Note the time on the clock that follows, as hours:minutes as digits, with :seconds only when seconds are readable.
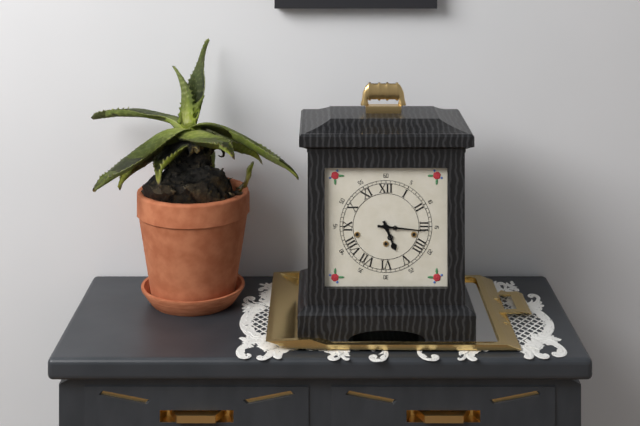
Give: 5:16
